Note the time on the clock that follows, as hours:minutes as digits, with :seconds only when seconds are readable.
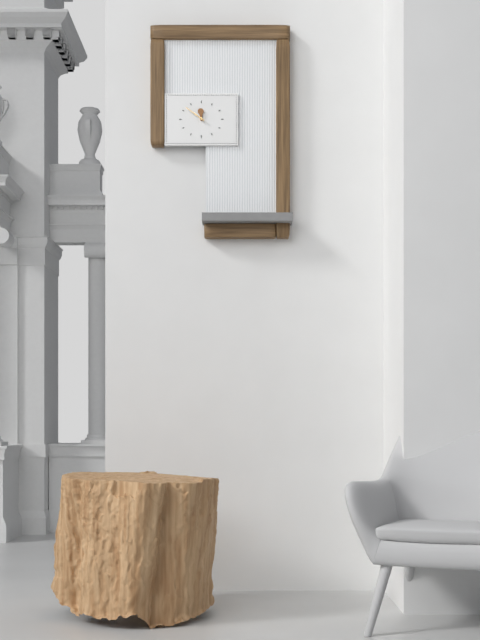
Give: 11:51
